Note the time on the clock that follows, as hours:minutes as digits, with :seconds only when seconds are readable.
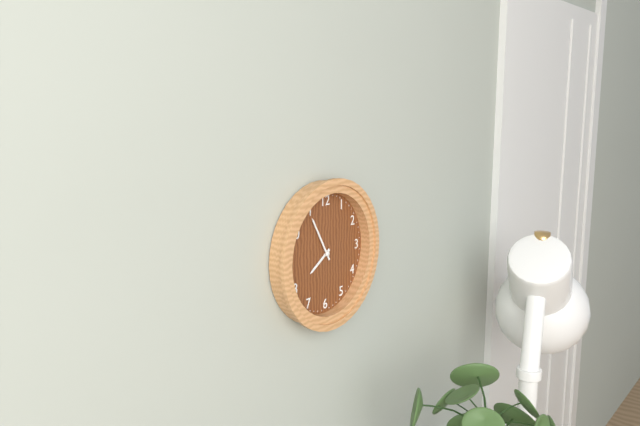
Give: 7:55
